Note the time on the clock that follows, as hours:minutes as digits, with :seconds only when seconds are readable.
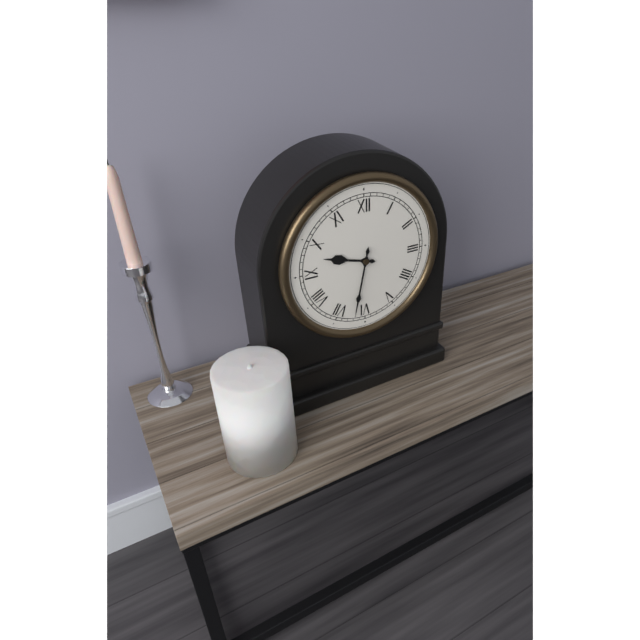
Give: 9:32
